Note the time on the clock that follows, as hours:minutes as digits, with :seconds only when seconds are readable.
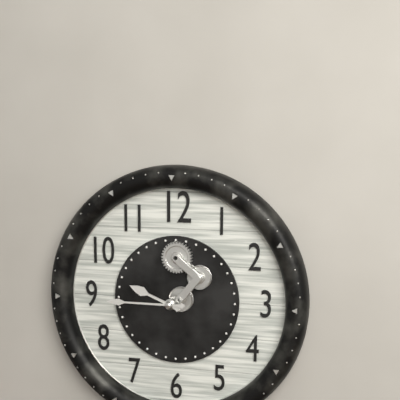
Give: 9:45
